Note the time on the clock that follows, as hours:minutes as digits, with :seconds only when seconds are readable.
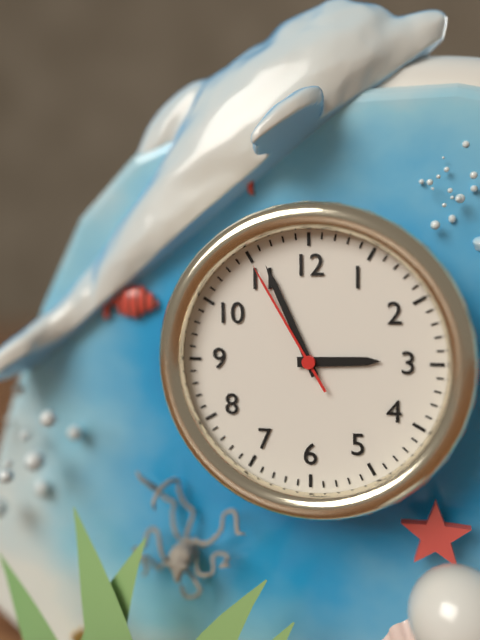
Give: 2:56:55
